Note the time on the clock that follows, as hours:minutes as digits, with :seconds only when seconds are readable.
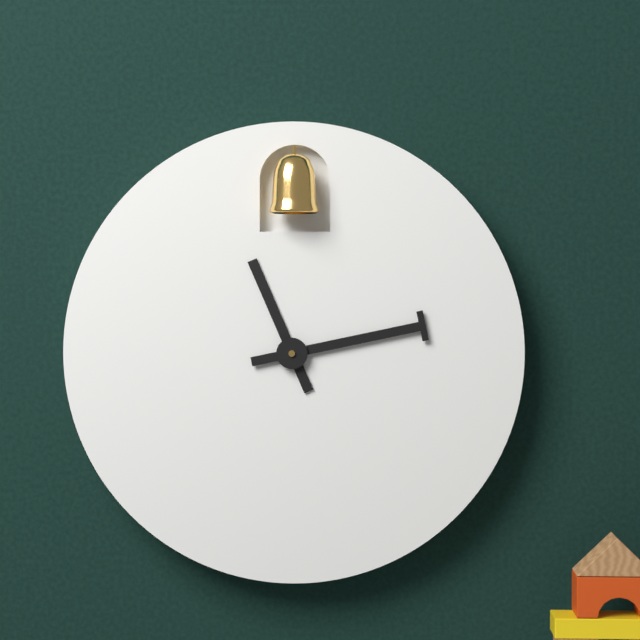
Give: 11:13
